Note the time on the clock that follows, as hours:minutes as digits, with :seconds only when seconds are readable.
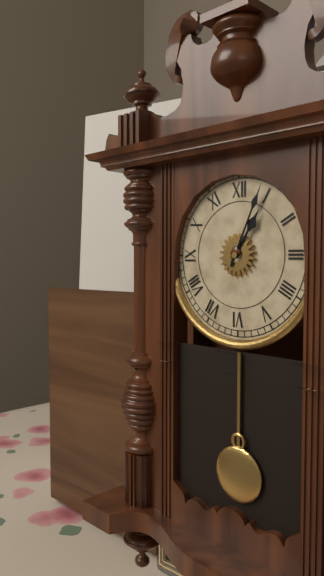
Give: 1:04
